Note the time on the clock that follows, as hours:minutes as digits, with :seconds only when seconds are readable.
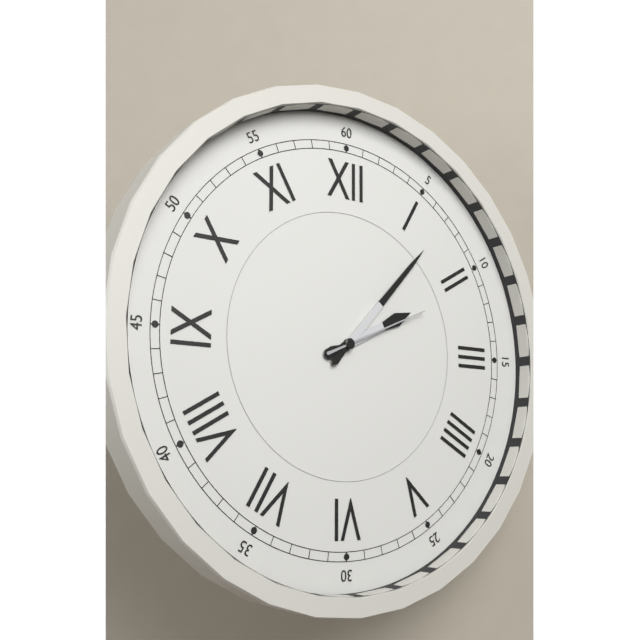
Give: 2:07:11
